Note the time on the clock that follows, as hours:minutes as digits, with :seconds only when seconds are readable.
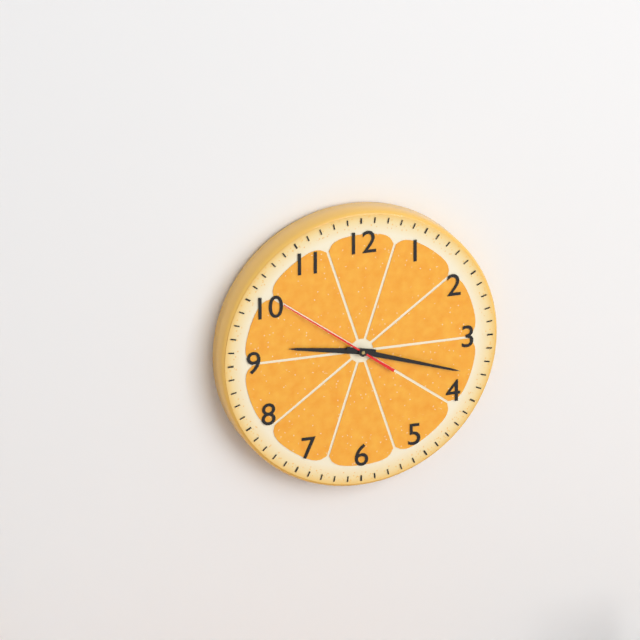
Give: 9:18:51
